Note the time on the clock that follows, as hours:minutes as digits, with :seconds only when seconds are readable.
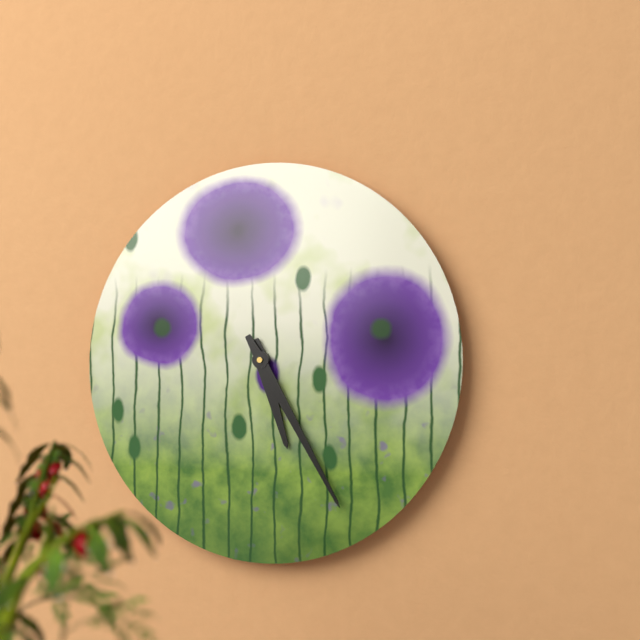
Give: 5:25
